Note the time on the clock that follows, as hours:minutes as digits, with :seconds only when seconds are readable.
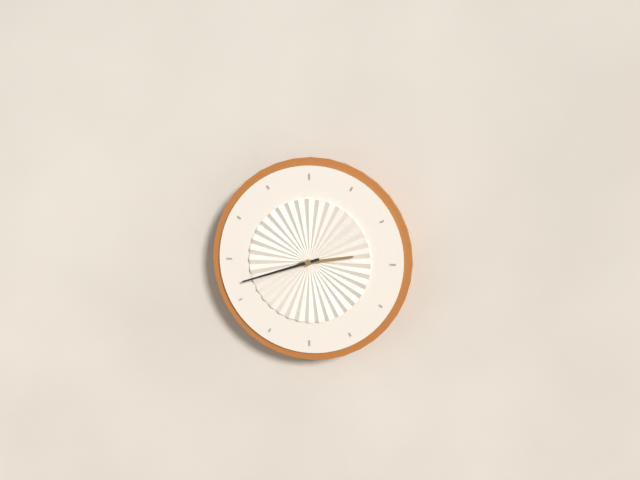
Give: 2:42
